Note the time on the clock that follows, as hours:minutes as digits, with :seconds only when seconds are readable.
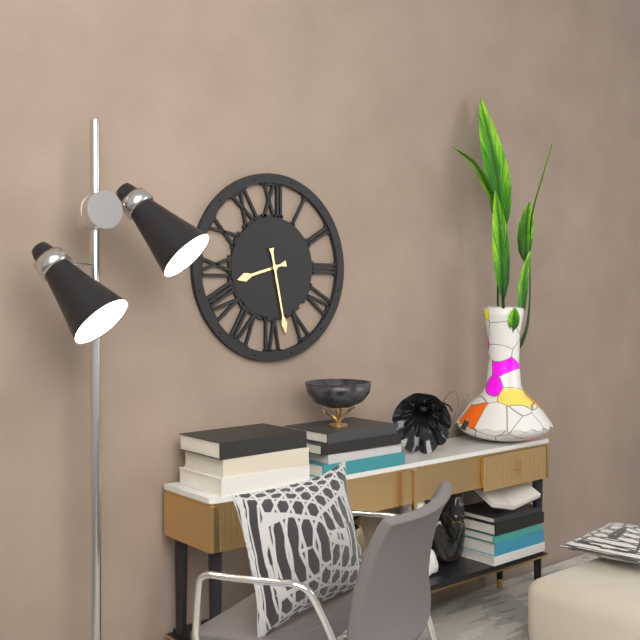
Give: 8:28
